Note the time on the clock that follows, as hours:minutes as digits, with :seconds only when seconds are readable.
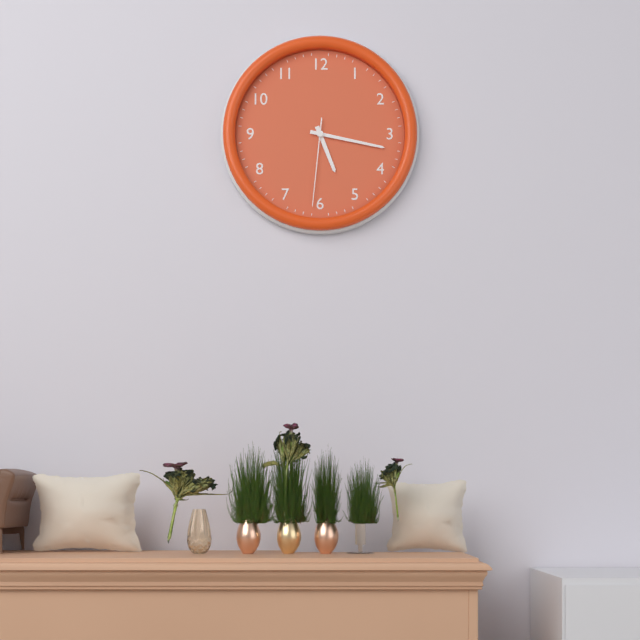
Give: 5:17:31
